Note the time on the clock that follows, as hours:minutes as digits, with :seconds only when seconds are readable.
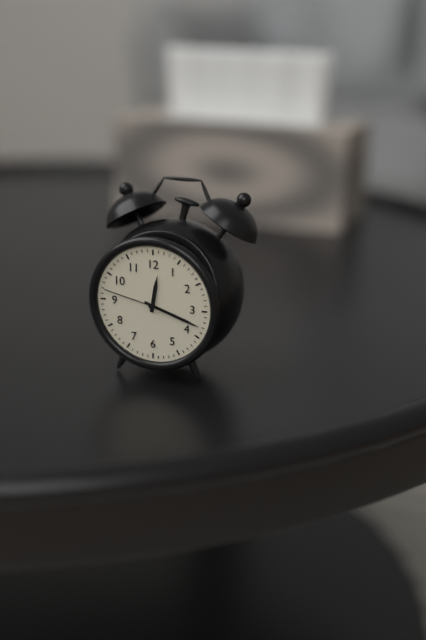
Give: 12:18:47
